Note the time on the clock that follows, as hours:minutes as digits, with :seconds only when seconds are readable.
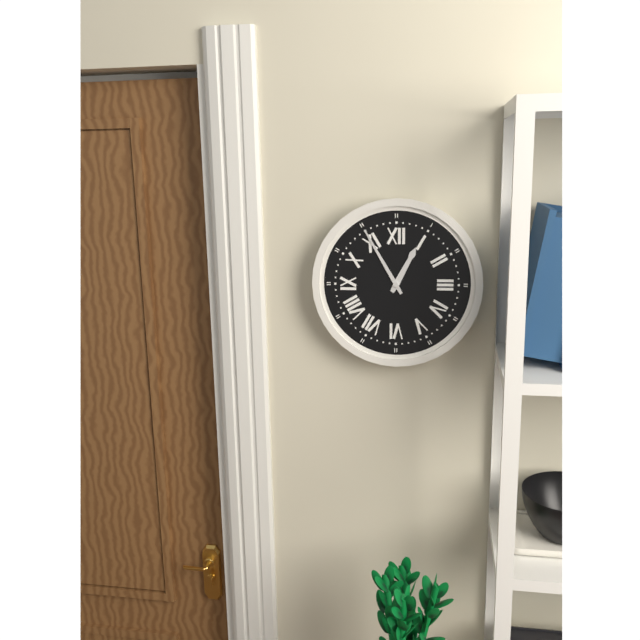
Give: 12:55
